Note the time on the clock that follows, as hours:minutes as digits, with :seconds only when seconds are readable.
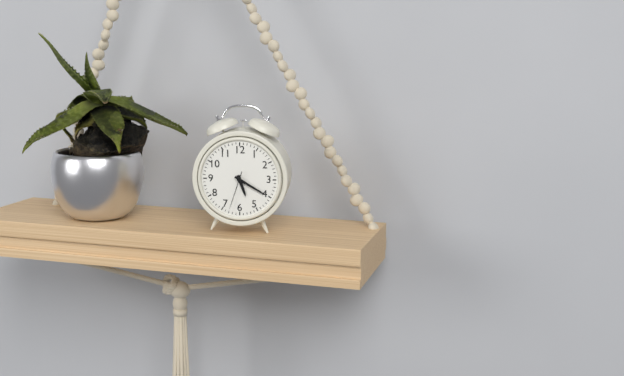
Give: 5:20
